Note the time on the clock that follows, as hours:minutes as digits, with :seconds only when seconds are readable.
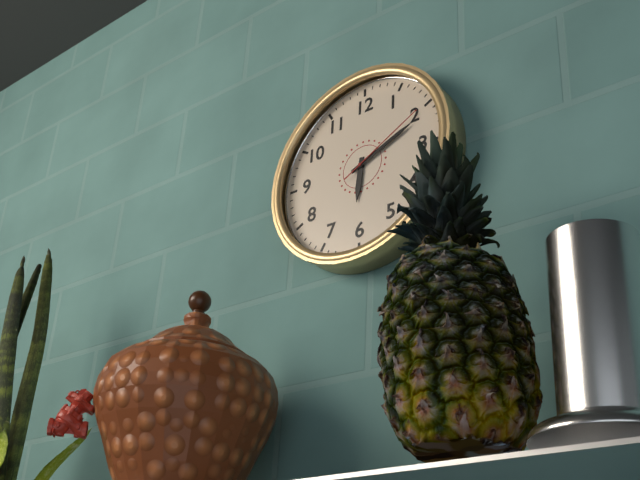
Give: 6:11:10
